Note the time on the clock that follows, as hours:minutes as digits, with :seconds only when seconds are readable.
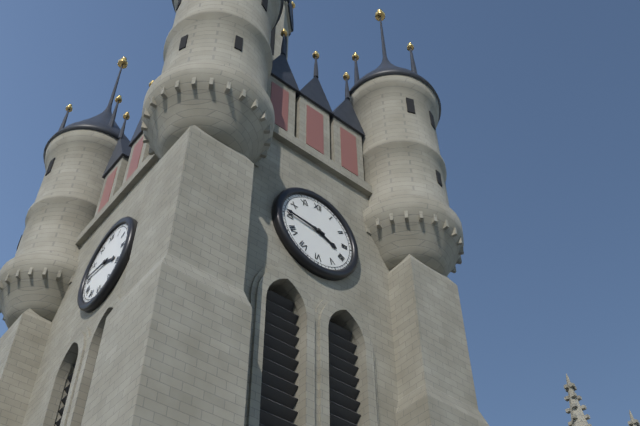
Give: 3:46
